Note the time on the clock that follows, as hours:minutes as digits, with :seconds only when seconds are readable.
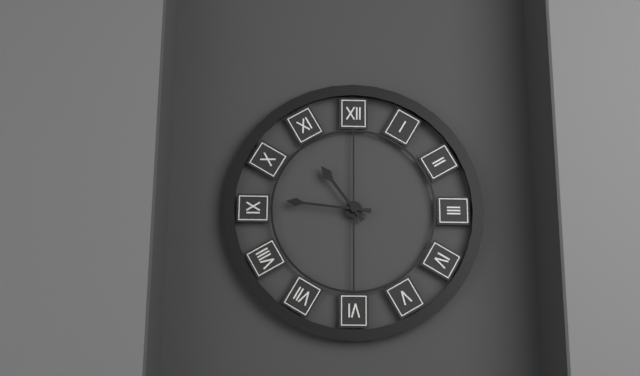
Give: 10:46
